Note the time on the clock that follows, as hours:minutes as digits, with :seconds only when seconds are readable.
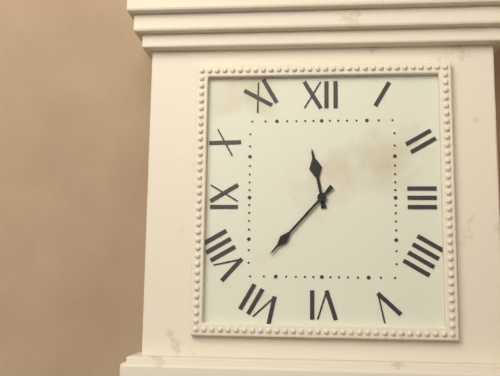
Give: 11:37
